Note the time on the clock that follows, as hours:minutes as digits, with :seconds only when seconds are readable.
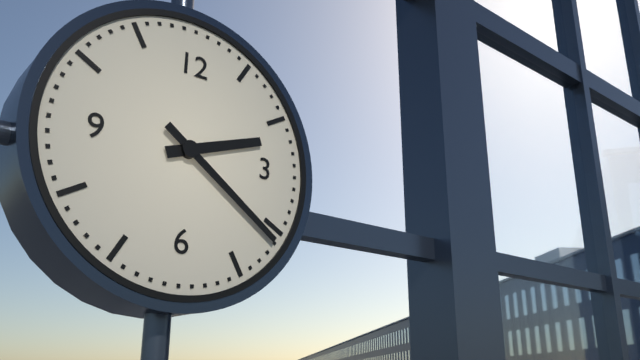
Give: 2:21
